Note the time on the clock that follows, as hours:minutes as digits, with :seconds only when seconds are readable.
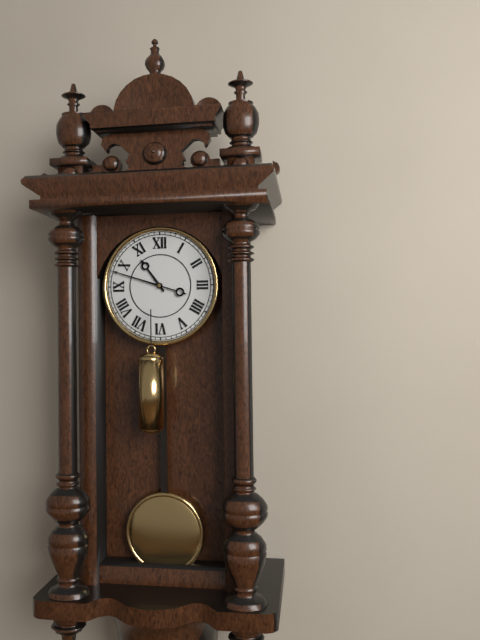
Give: 10:48
